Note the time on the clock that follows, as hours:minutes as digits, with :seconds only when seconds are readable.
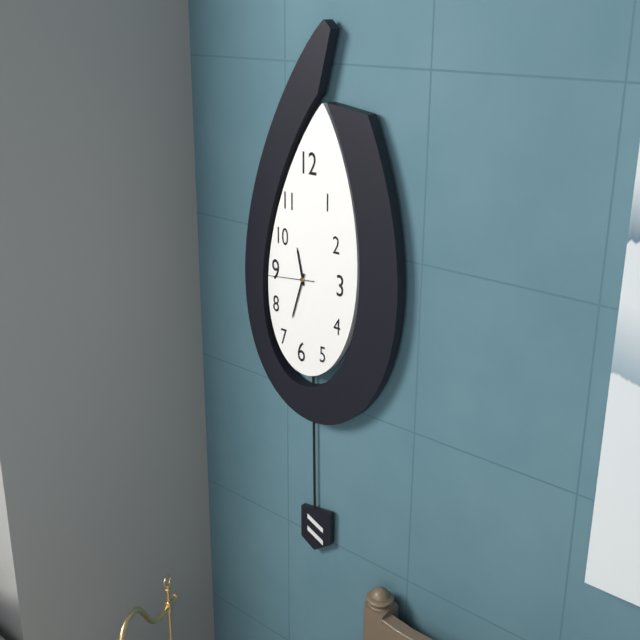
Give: 11:33
